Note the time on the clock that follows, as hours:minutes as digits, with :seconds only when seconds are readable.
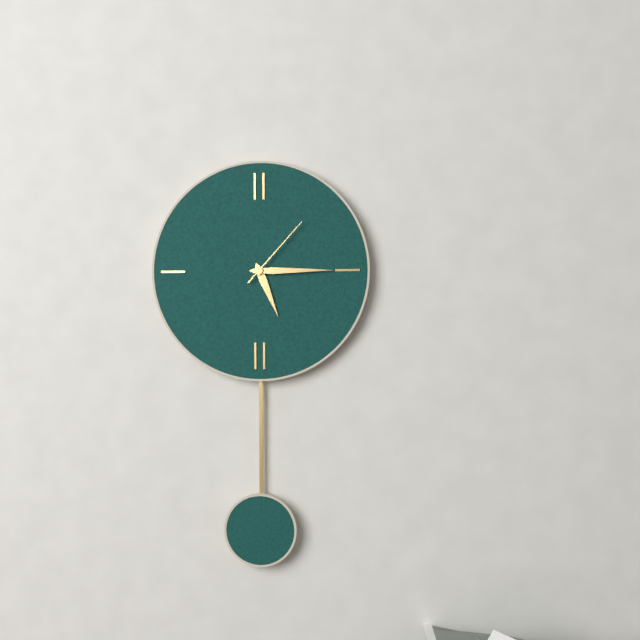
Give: 5:15:07
